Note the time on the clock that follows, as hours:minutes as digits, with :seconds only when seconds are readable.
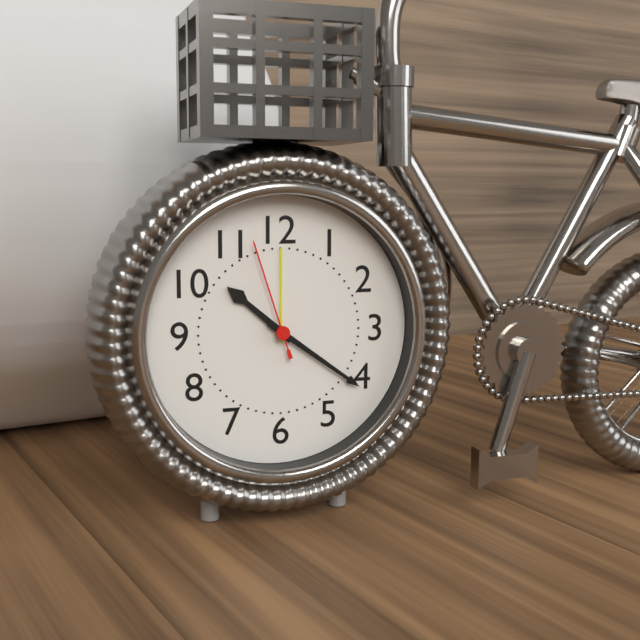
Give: 10:21:57
